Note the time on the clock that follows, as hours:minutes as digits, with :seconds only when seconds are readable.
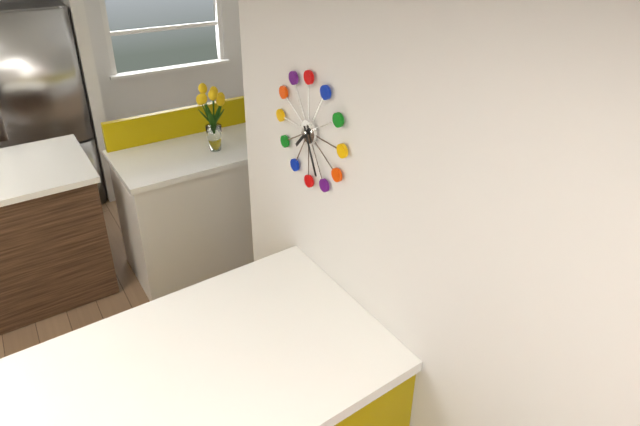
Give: 7:26
